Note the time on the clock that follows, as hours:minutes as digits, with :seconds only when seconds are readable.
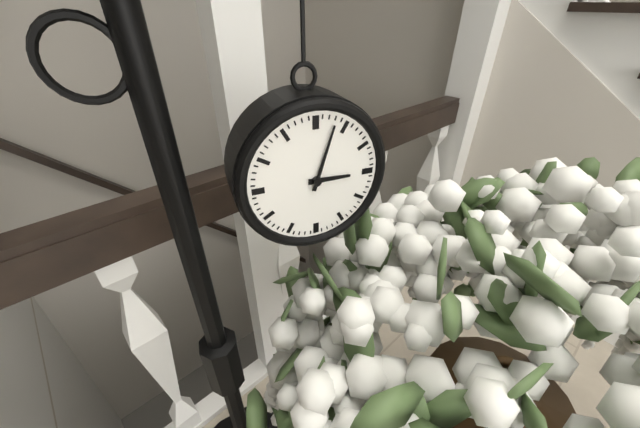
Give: 3:03
